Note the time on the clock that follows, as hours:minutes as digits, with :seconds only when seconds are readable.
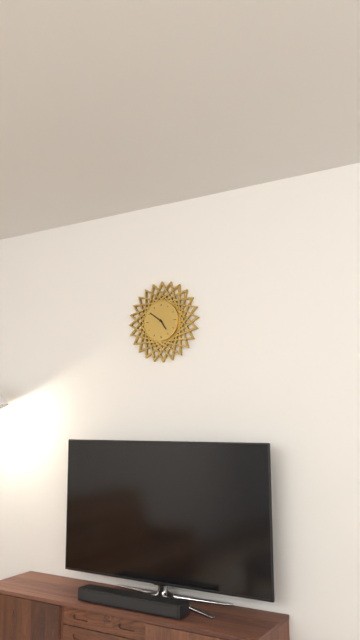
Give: 4:51
